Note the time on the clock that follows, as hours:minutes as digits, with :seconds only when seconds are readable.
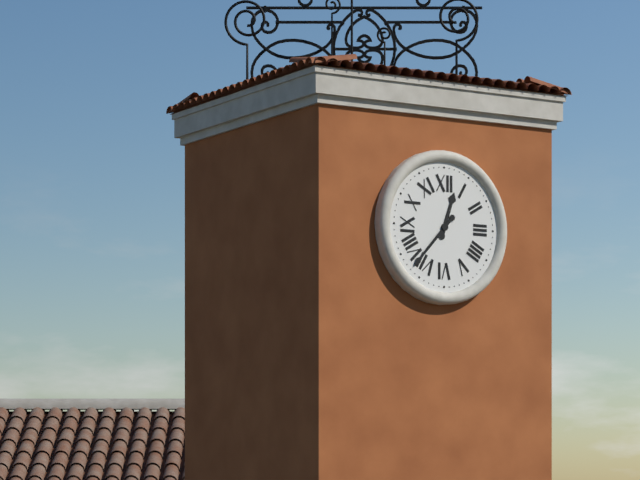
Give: 12:37
